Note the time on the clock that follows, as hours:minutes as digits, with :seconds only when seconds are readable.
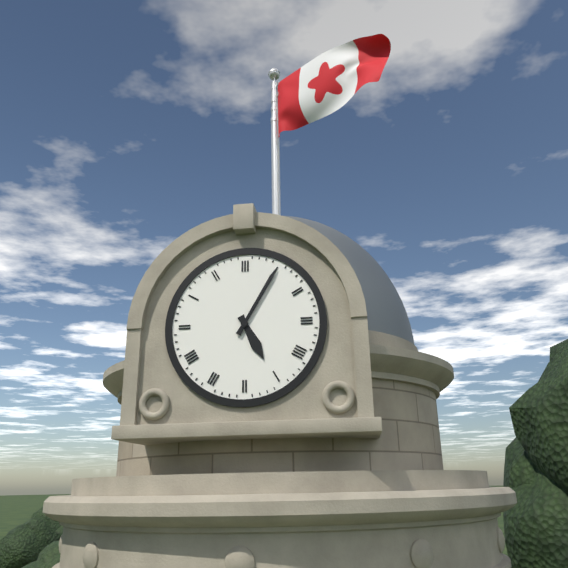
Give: 5:05
